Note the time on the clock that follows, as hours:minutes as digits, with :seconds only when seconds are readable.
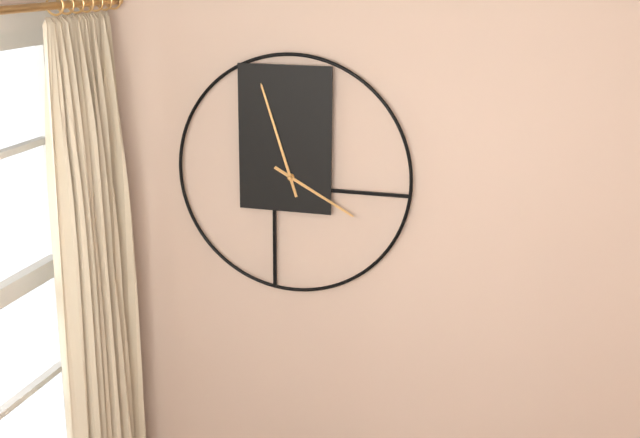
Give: 3:57
